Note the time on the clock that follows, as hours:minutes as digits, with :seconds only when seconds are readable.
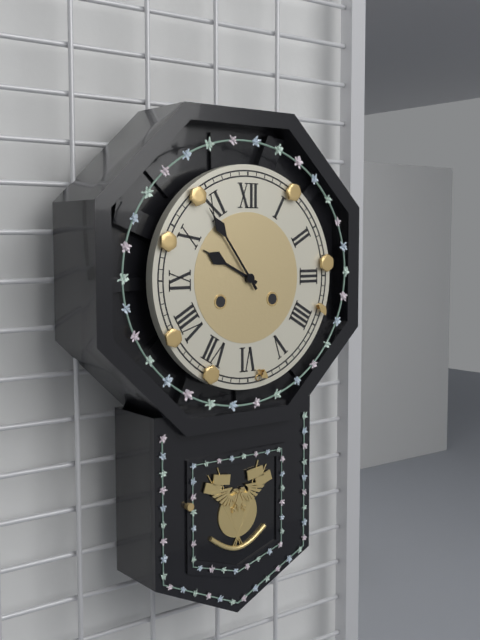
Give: 9:54
